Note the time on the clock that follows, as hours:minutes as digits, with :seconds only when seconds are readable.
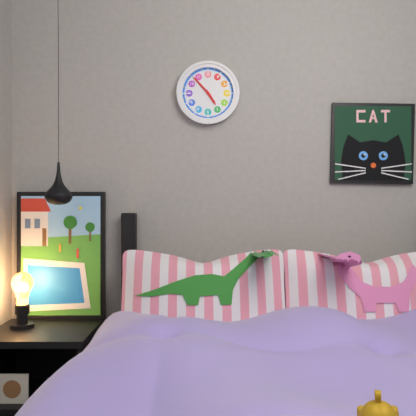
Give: 4:53
